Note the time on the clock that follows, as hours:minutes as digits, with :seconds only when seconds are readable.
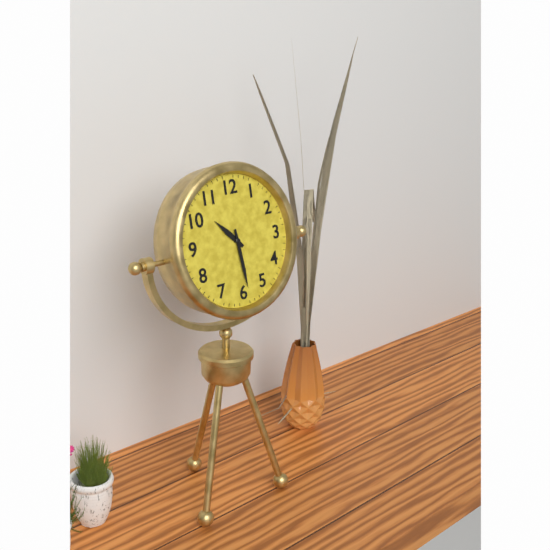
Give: 10:29
